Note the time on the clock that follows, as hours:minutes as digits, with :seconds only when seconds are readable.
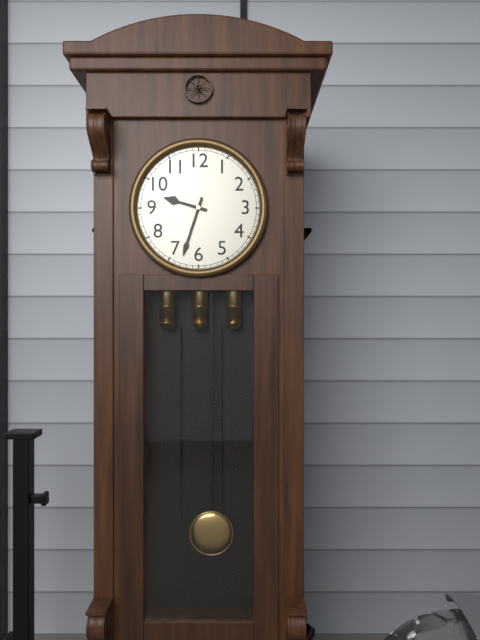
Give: 9:33
